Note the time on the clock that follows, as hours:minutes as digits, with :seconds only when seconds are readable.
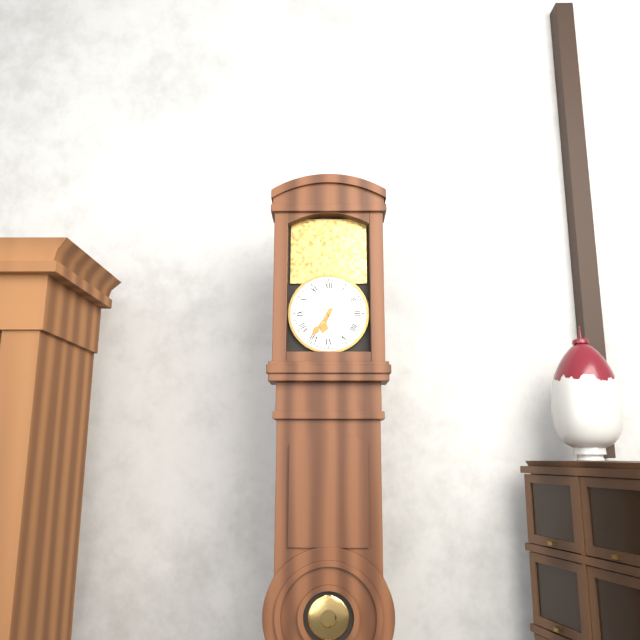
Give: 6:36
